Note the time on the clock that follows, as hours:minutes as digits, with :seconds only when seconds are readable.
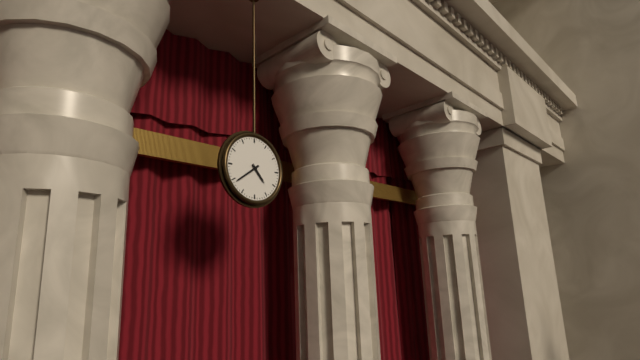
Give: 4:39
